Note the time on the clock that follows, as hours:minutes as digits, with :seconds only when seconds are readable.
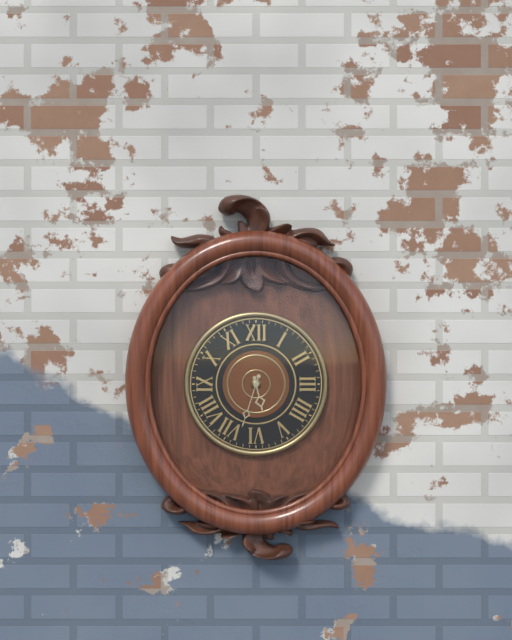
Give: 5:33
